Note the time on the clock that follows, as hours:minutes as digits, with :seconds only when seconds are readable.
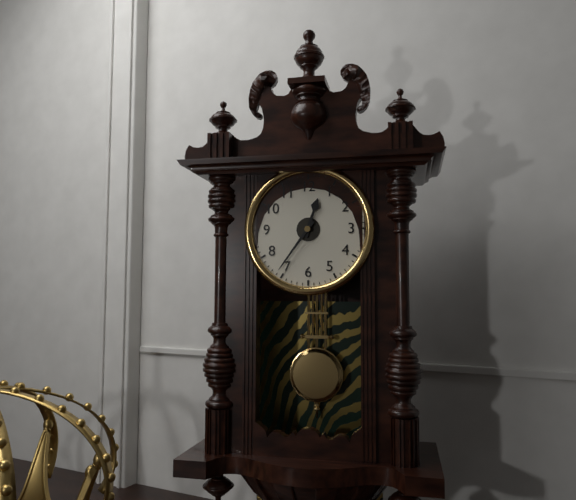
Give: 12:36
